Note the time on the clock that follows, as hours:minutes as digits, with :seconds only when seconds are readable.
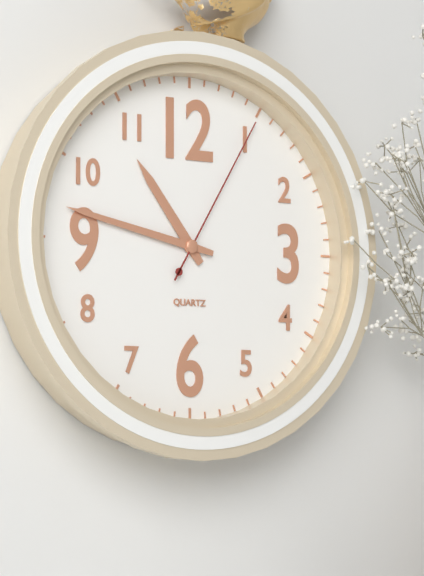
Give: 10:47:05
